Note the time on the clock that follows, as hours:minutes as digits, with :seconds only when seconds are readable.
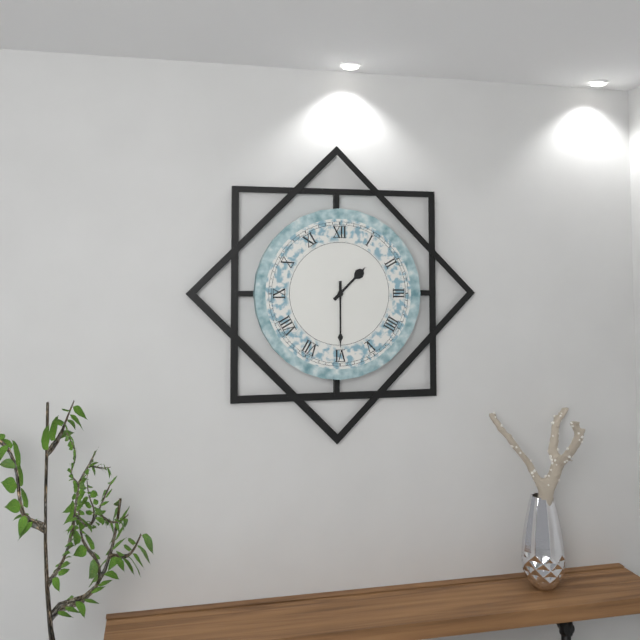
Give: 1:30
